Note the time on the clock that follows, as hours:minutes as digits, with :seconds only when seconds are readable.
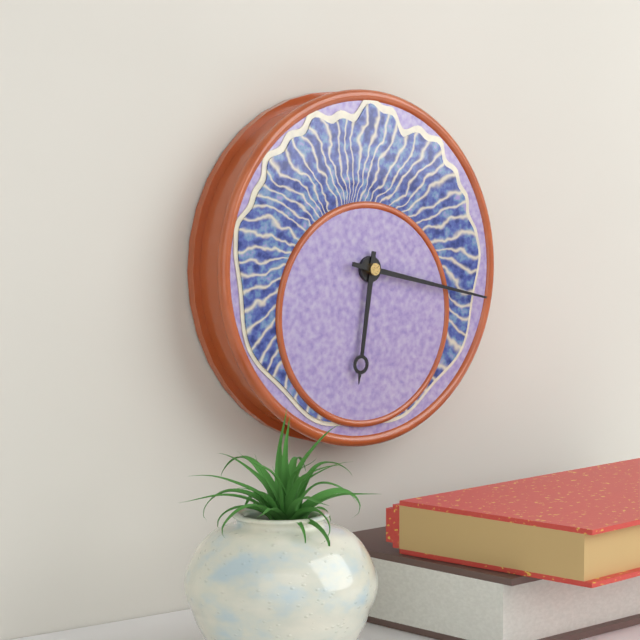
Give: 6:17
